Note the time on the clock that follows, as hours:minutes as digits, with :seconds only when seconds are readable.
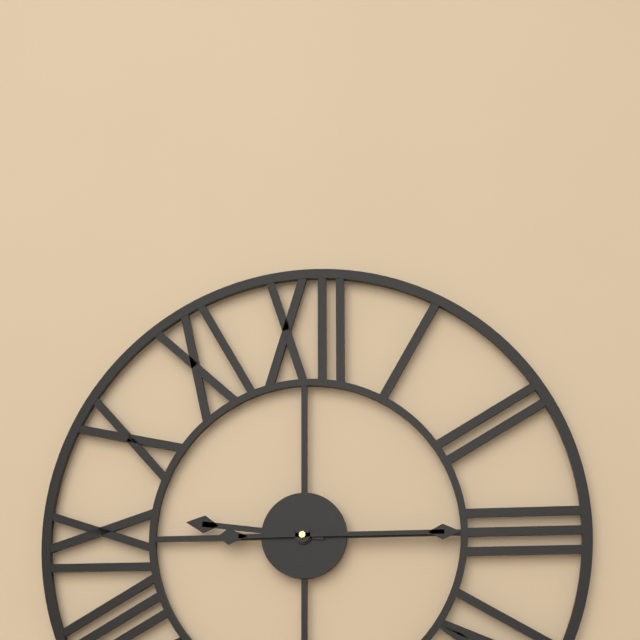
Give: 9:15
